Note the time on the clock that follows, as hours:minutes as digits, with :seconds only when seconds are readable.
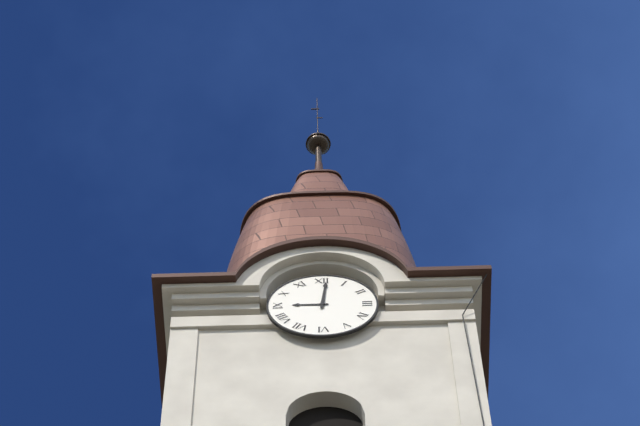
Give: 9:01
